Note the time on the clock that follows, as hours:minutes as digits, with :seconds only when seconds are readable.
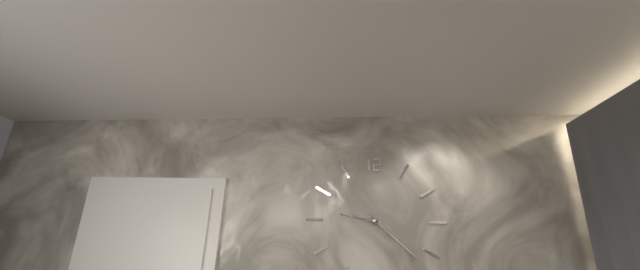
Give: 9:22
